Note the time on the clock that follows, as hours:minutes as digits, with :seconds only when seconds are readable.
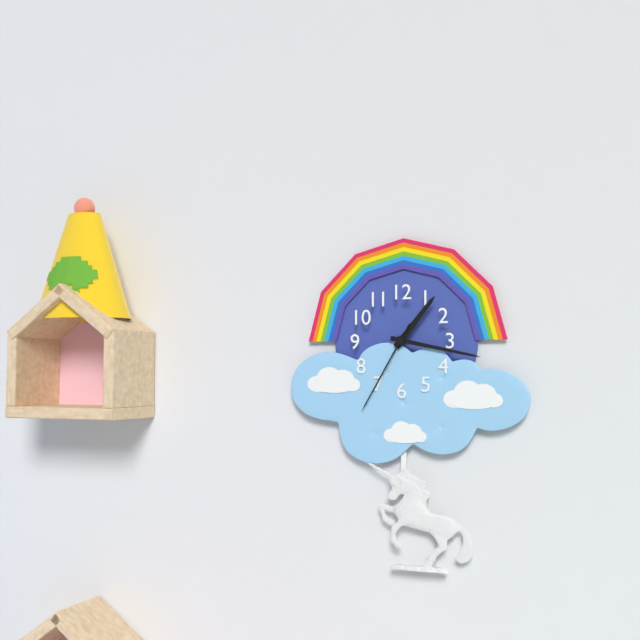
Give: 1:17:35
